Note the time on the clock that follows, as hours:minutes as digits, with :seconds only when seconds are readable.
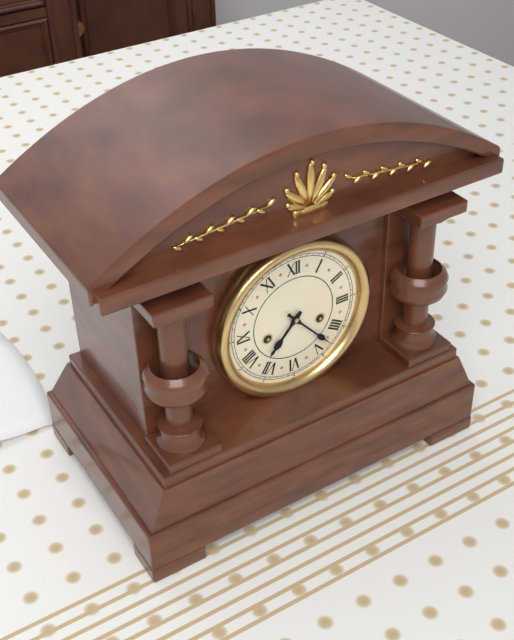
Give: 7:23
